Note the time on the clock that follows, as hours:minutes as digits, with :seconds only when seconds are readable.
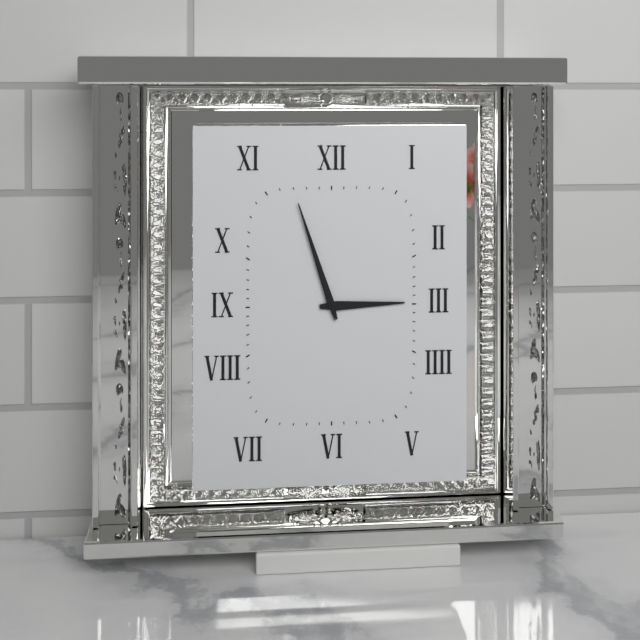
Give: 2:57
